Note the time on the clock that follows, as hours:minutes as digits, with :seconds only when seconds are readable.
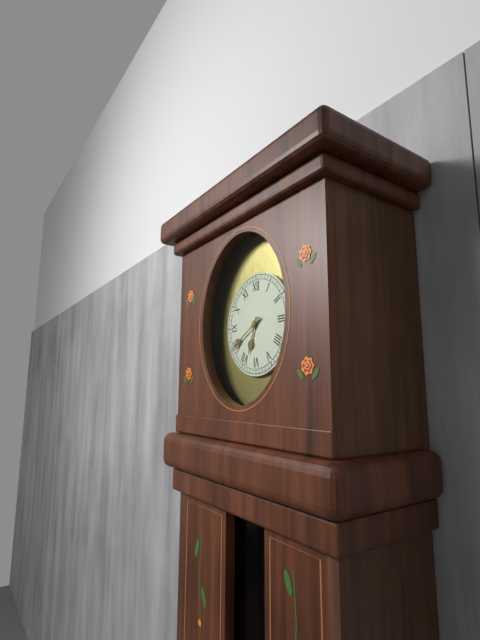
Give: 6:40
